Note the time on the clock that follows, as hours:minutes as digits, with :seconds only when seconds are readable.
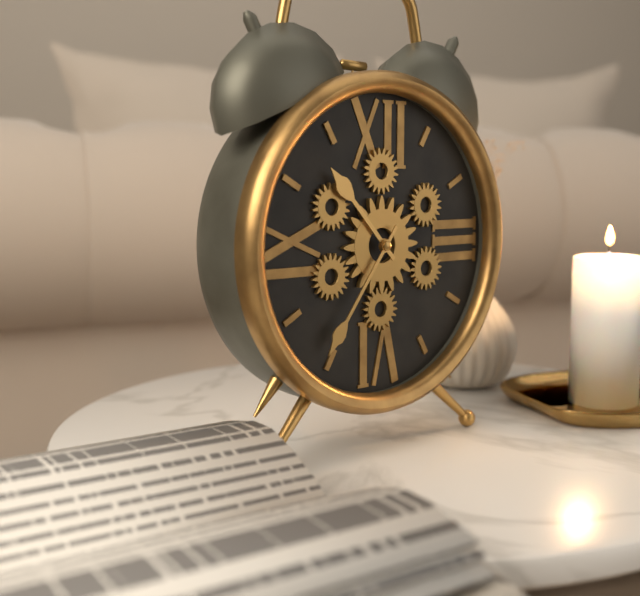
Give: 10:36
